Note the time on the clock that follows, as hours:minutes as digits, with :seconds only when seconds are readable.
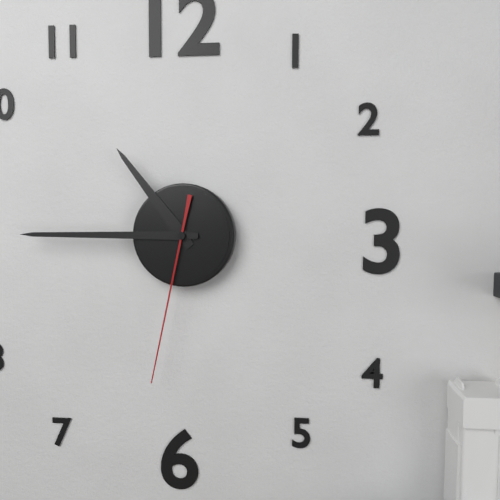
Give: 10:45:32
